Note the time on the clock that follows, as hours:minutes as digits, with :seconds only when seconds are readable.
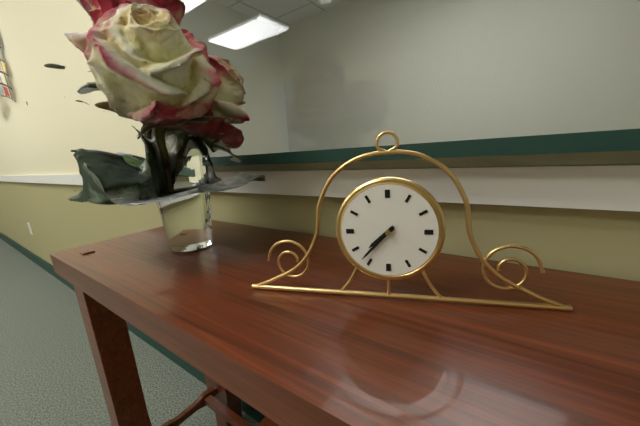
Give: 7:37
